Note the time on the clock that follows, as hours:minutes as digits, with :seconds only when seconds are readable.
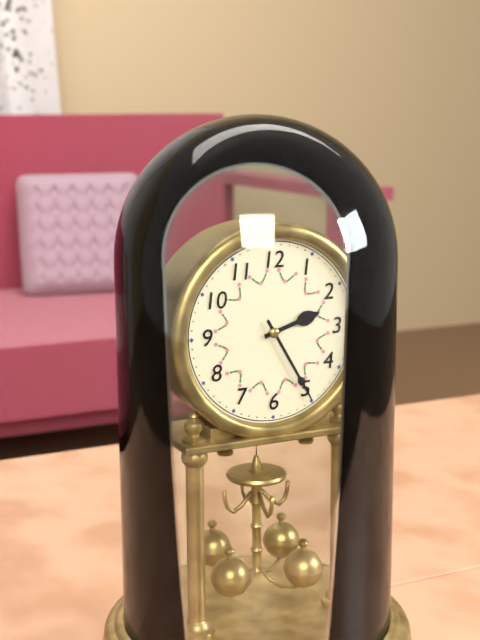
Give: 2:25
